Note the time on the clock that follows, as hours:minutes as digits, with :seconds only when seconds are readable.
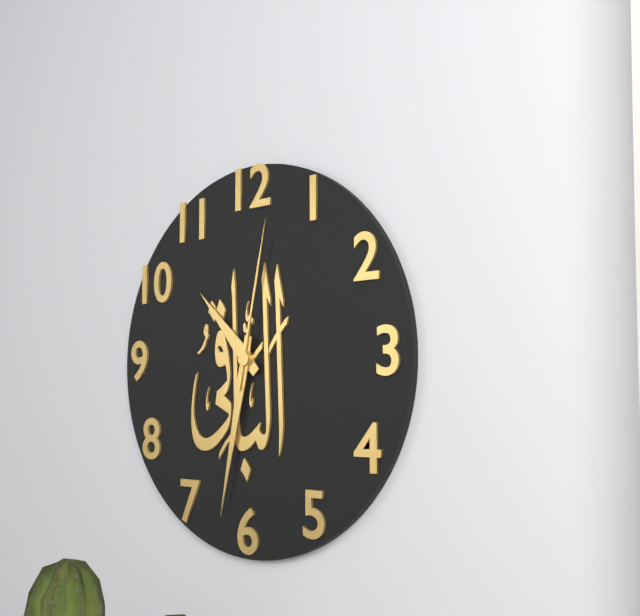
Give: 10:32:02
